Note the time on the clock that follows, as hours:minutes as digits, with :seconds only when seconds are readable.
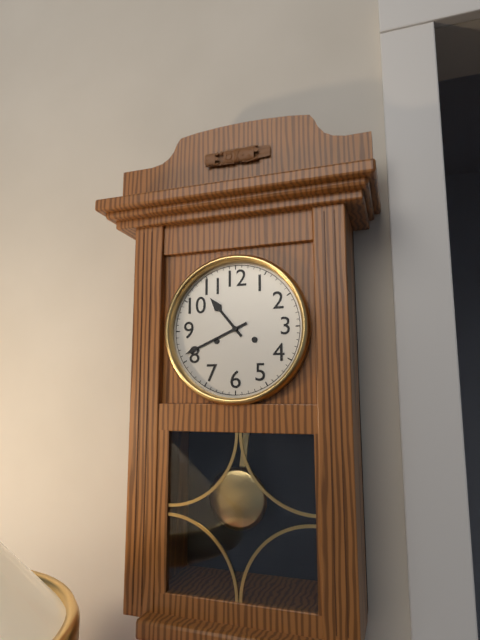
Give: 10:41
